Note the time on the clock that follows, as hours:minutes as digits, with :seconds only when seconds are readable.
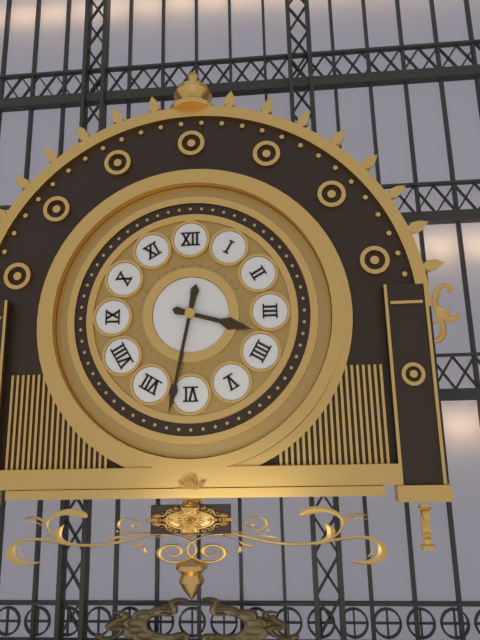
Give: 3:32
